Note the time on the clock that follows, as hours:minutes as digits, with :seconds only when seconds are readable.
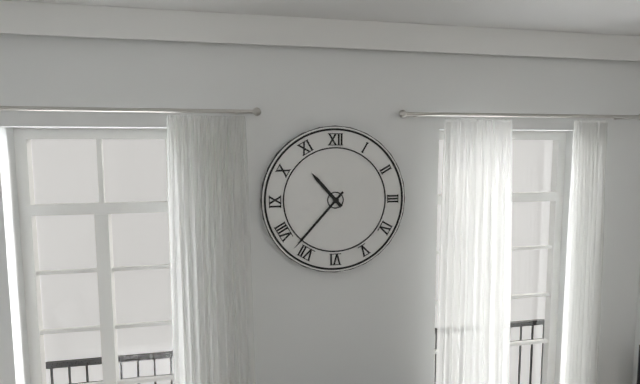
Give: 10:37
